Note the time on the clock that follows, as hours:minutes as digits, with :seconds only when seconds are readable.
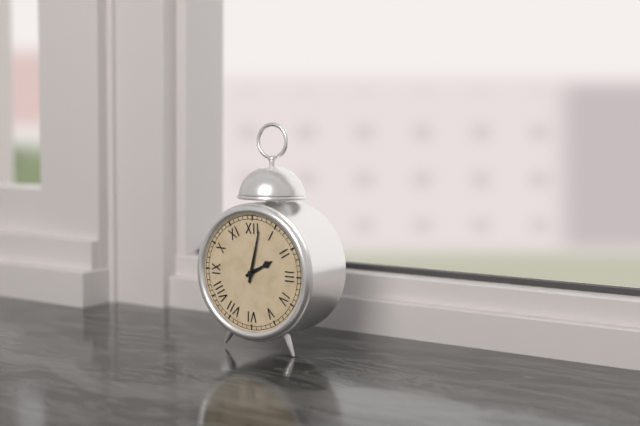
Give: 2:02
